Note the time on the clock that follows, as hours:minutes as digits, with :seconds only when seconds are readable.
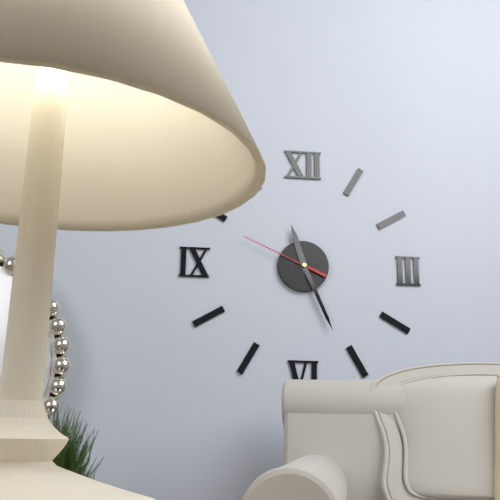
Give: 11:26:49
